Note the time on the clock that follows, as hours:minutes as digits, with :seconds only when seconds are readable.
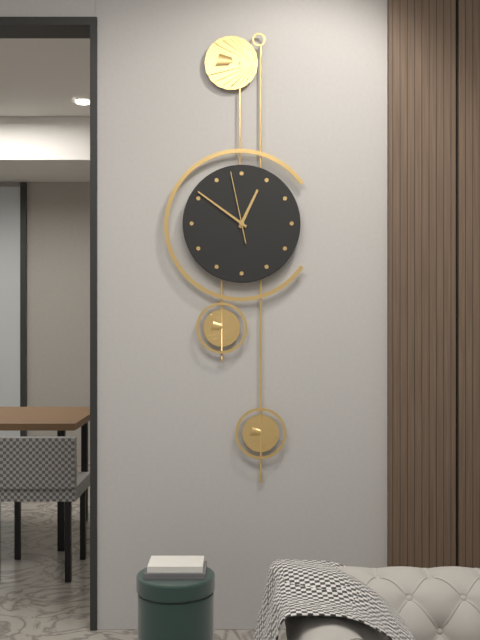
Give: 12:51:58
